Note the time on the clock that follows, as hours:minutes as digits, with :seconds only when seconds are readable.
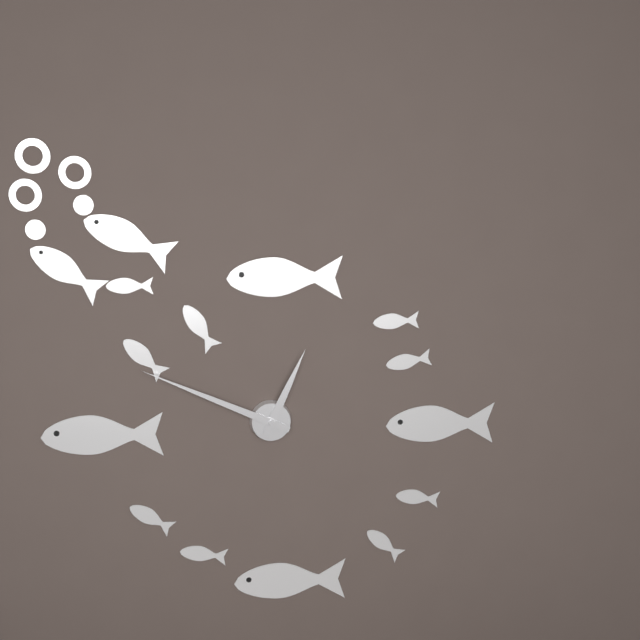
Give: 12:49
